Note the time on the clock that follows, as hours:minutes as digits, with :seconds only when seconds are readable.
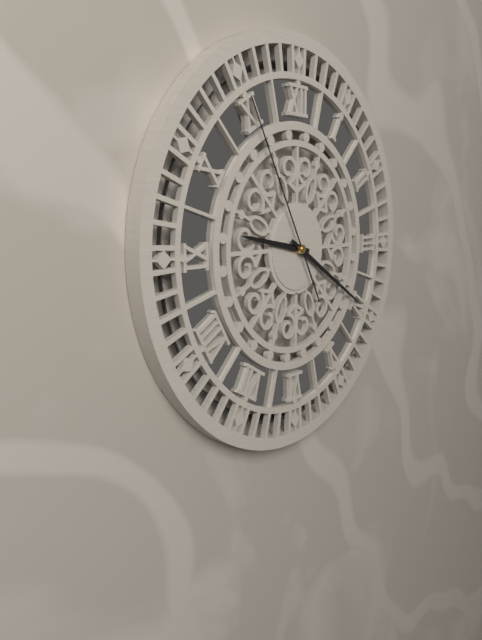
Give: 9:20:55
